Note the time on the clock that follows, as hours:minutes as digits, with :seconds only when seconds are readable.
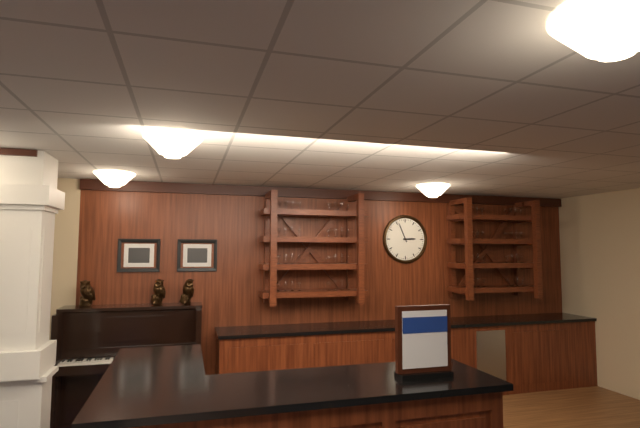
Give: 2:56
